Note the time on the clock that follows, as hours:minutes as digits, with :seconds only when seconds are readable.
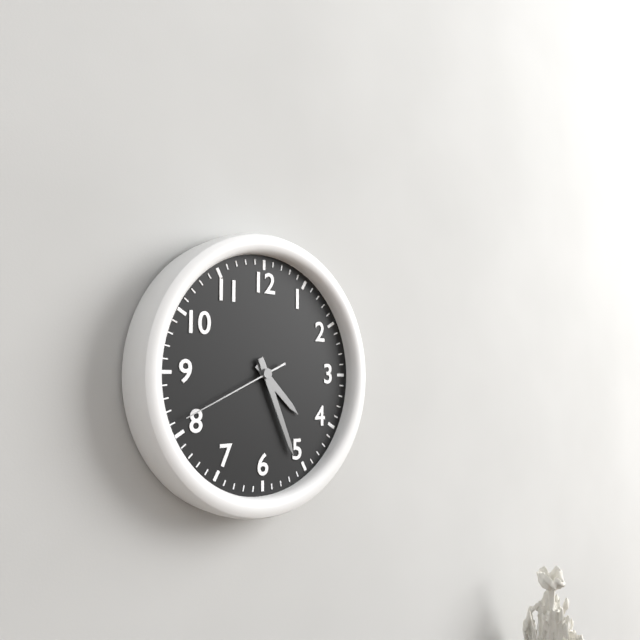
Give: 4:26:41
